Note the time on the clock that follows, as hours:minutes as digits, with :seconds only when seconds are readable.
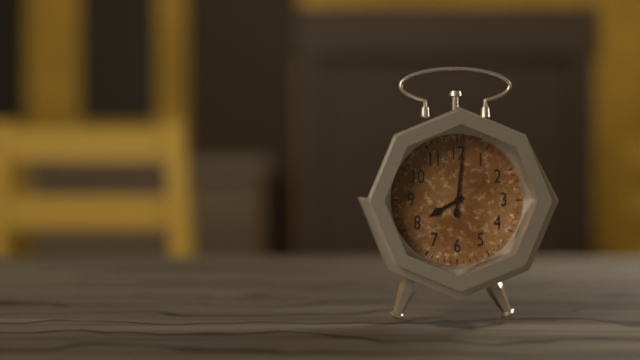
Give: 8:01
